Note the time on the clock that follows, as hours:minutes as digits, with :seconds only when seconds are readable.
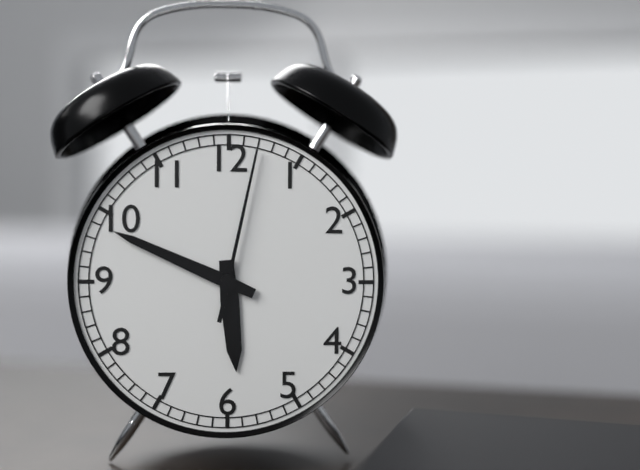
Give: 5:49:02
